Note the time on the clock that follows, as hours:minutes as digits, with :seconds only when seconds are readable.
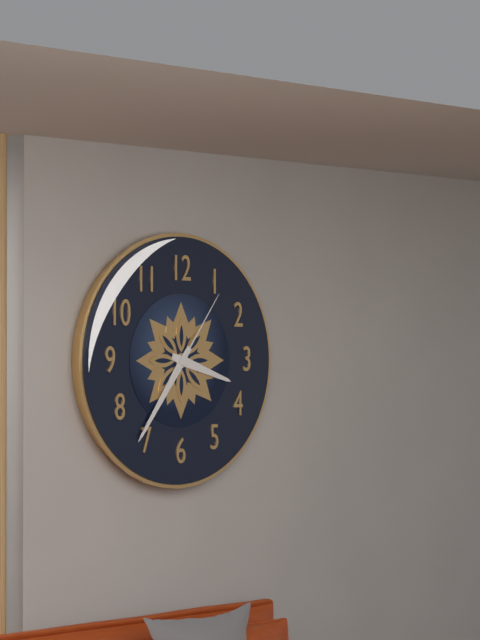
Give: 3:36:06
